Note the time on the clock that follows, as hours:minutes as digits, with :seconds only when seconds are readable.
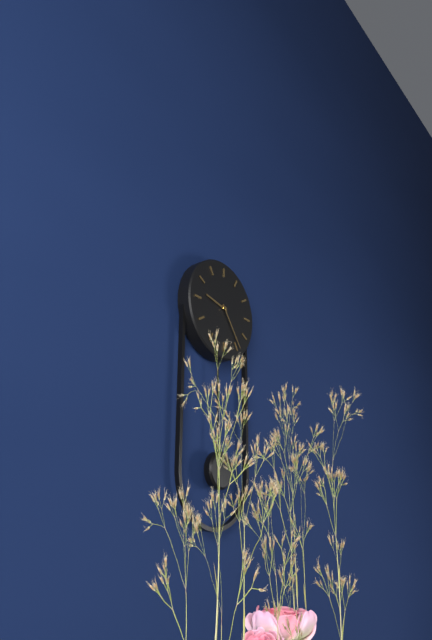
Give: 9:24
